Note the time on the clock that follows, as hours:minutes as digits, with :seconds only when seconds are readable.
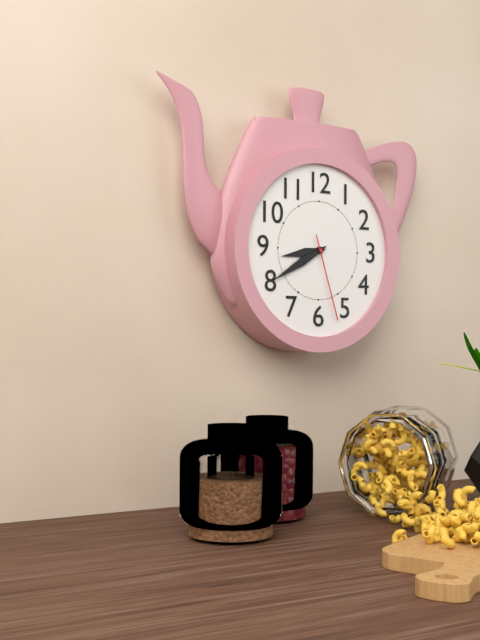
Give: 8:40:27
